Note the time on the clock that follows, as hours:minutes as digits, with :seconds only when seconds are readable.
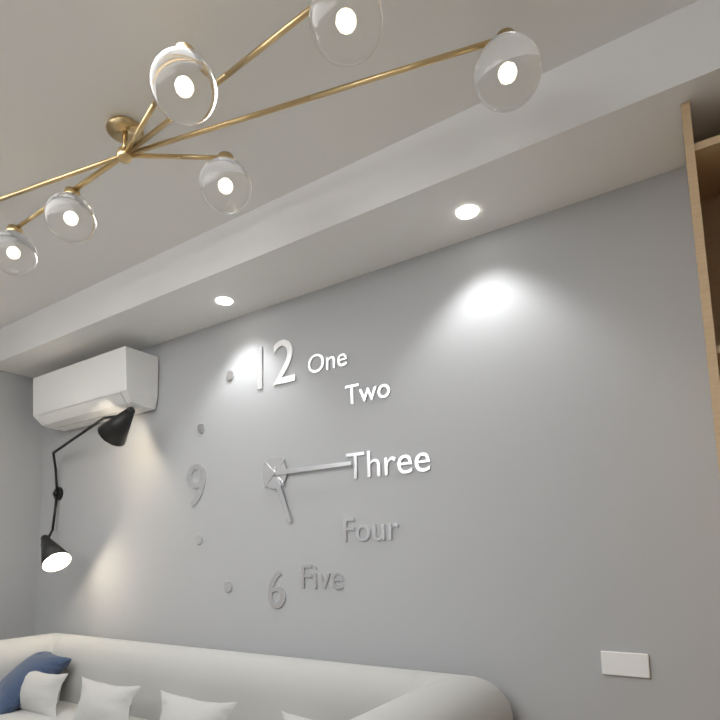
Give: 5:15
